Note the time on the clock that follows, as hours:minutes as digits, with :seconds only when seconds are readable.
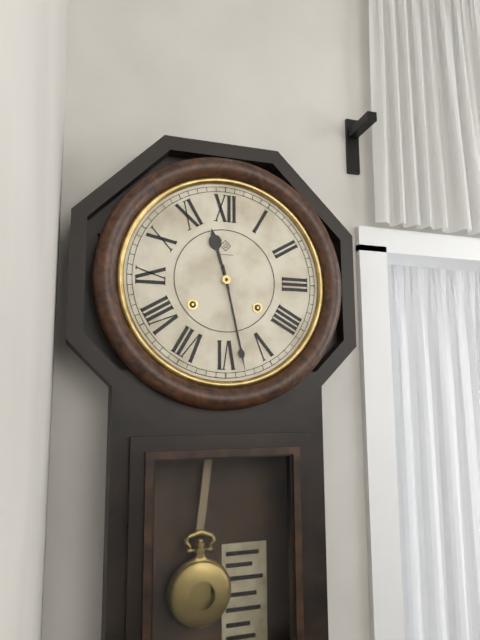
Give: 11:28
